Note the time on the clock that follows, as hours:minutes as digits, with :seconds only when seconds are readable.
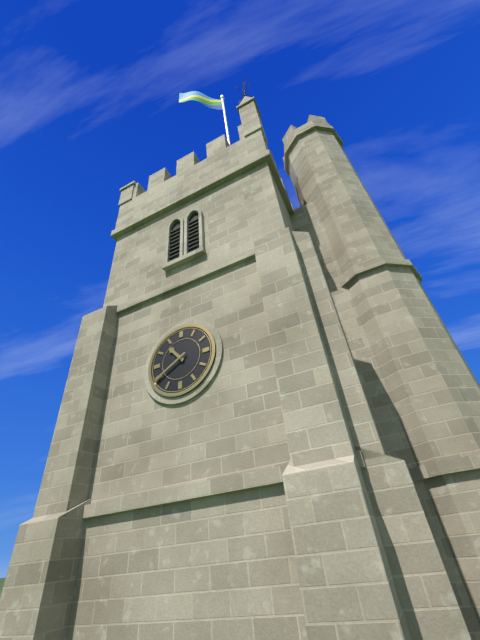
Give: 10:40
